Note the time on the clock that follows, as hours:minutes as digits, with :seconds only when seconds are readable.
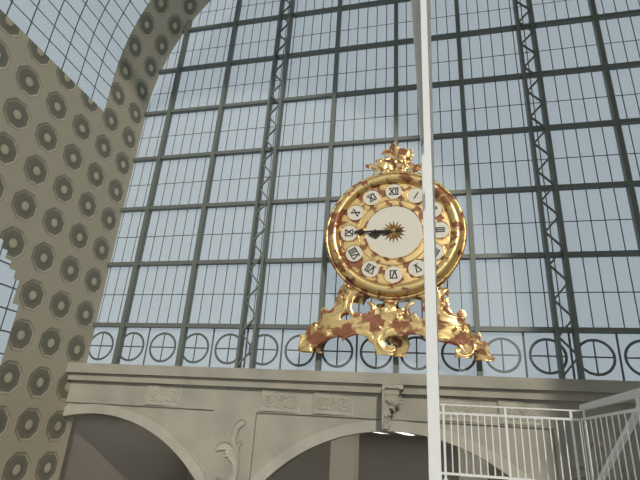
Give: 8:45
